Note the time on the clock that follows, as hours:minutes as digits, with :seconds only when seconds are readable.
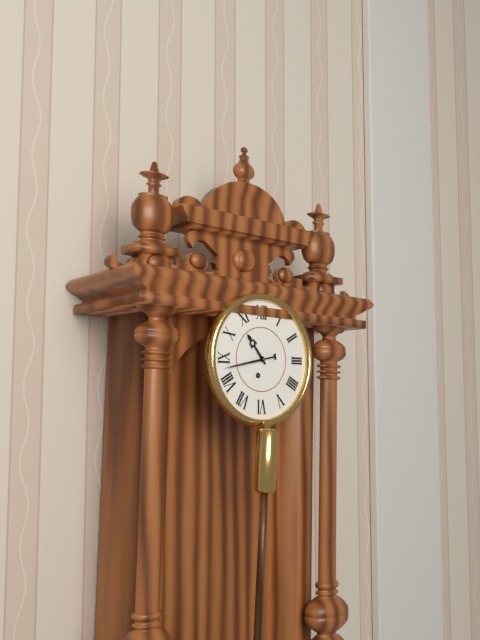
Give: 10:43
